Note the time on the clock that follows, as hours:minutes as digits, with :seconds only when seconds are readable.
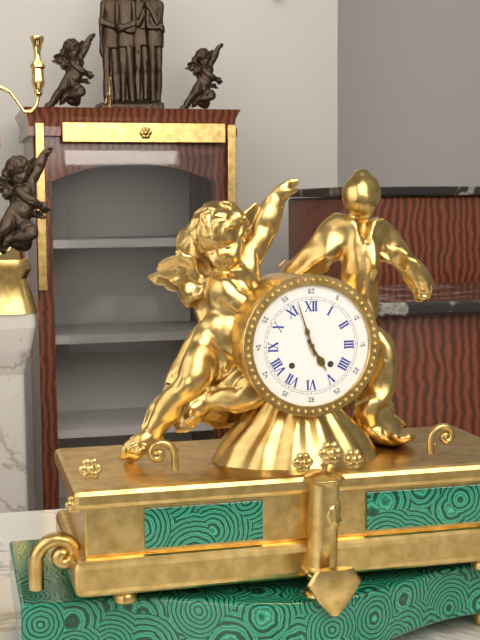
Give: 4:57
